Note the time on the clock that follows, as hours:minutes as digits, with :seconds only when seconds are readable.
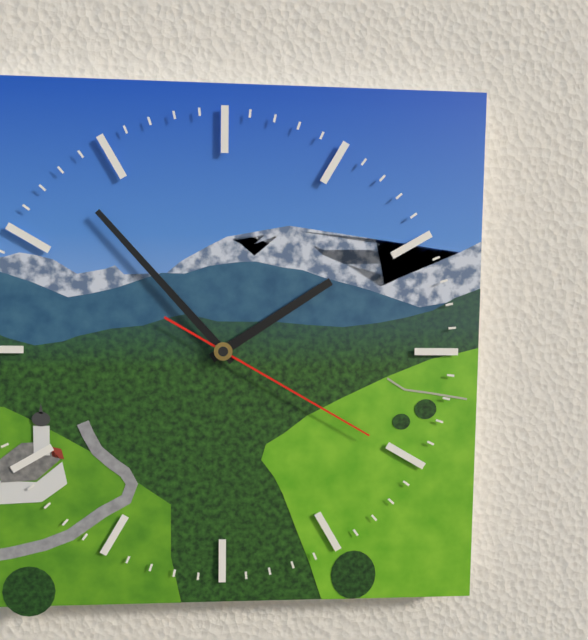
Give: 1:53:20
